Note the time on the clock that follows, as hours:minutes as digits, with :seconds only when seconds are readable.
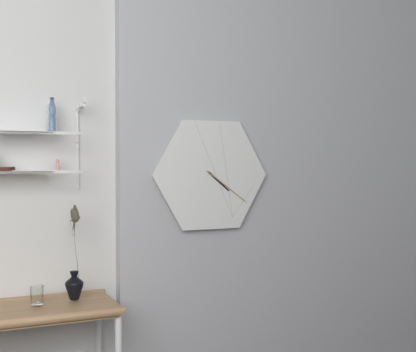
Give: 4:21
